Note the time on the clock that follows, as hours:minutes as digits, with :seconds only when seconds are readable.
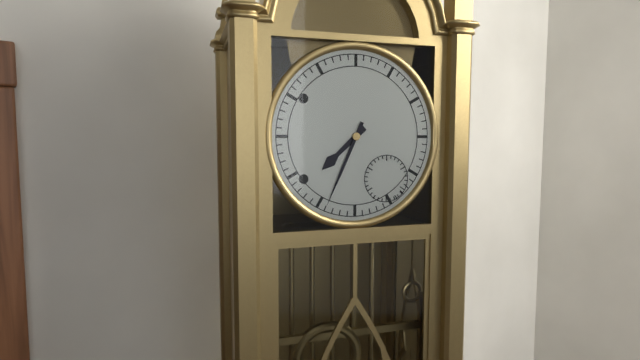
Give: 7:34
